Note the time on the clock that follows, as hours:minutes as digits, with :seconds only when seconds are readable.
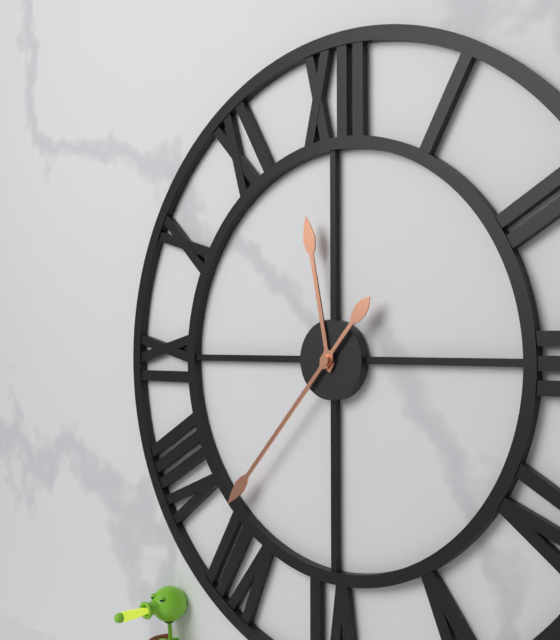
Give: 11:37
